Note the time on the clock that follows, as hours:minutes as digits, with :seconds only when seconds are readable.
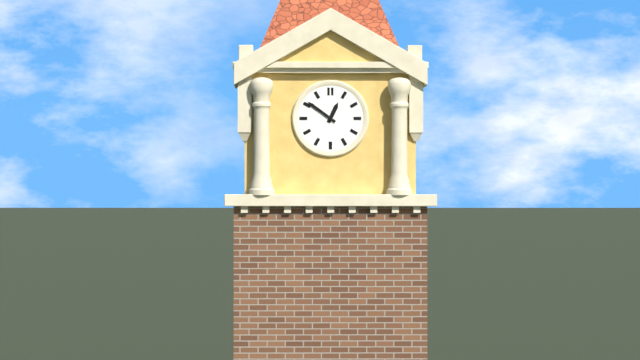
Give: 12:51
